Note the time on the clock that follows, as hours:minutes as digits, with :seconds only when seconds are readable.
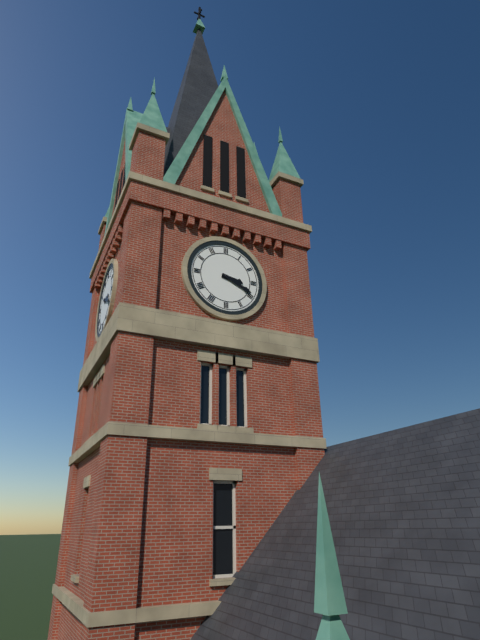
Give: 3:19
